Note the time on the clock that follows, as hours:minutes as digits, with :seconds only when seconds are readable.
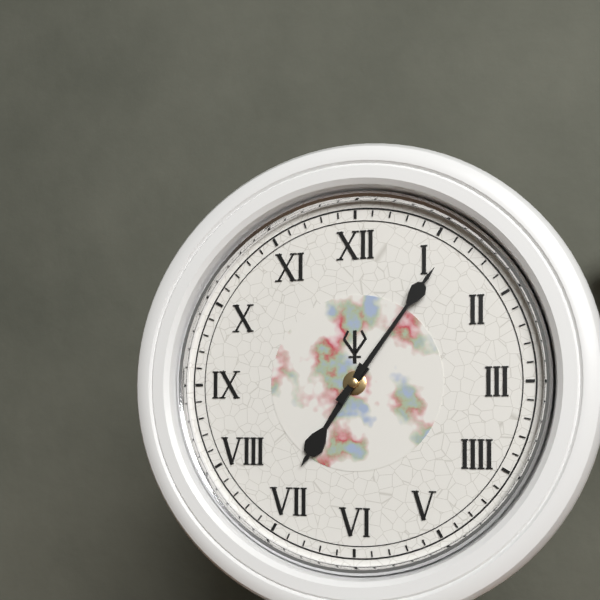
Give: 7:06
